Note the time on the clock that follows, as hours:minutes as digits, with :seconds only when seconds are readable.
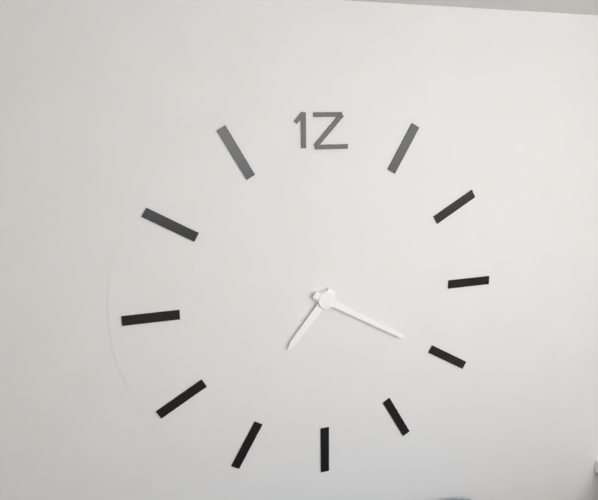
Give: 7:20
